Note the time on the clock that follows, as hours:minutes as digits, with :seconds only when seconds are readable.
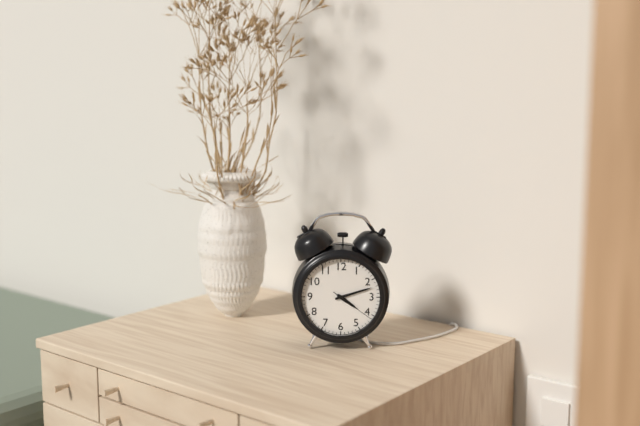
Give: 4:12
